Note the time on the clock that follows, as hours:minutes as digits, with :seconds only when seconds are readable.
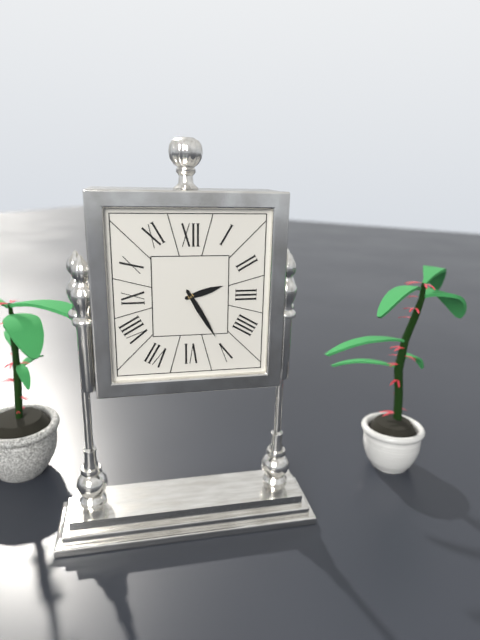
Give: 2:25
